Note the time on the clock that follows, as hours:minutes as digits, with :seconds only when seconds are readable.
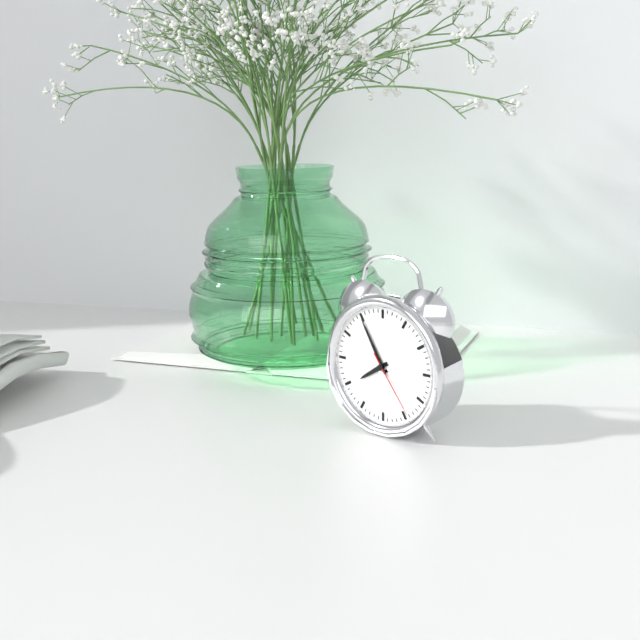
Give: 7:55:24
